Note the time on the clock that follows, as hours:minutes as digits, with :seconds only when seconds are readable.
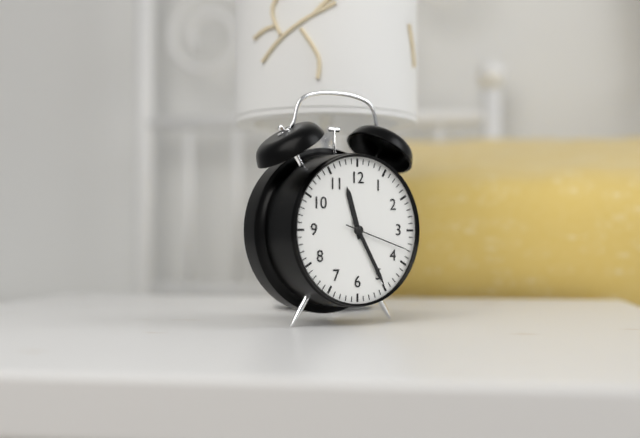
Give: 11:25:18
